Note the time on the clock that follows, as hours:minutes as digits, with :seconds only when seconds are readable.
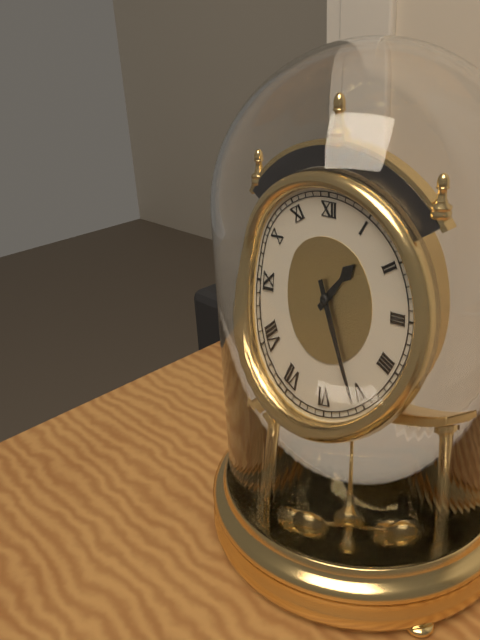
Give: 1:26
